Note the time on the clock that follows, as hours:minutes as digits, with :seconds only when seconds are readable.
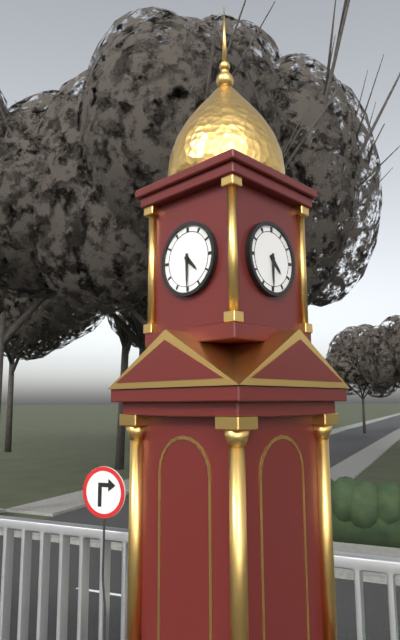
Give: 4:30
